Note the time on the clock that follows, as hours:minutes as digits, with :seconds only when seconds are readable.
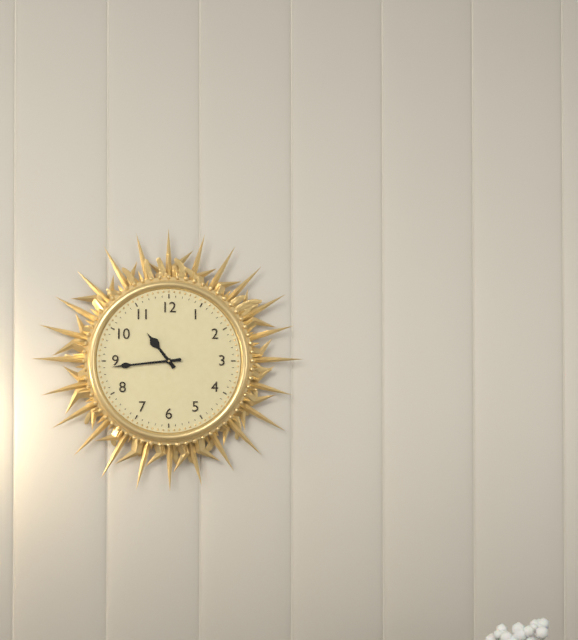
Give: 10:44
